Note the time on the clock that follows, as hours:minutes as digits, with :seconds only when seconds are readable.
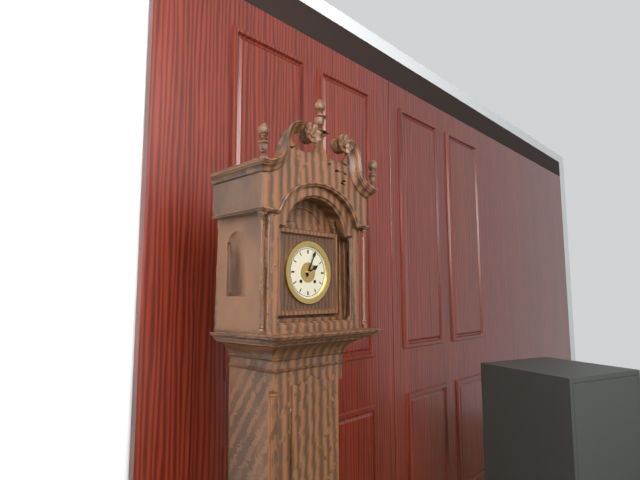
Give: 2:04
